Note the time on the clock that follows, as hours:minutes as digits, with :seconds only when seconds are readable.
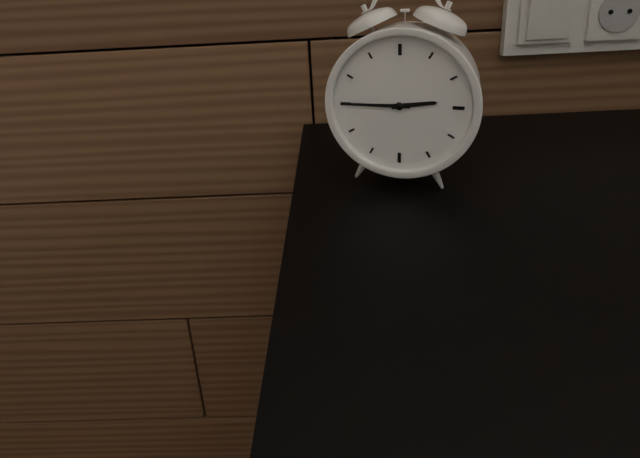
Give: 2:45
